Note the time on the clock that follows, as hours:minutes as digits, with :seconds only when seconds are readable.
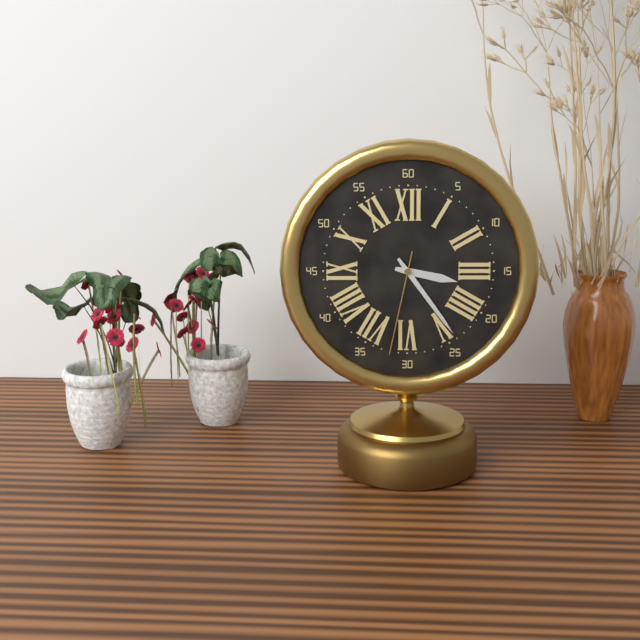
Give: 3:24:32
